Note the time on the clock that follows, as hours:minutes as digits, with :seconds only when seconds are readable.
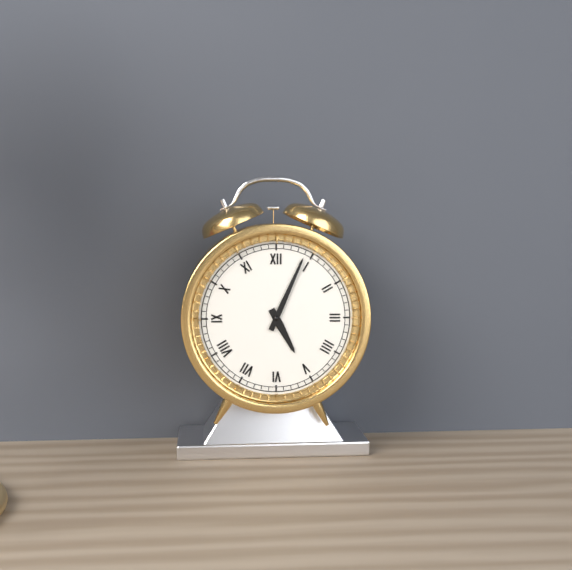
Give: 5:04
